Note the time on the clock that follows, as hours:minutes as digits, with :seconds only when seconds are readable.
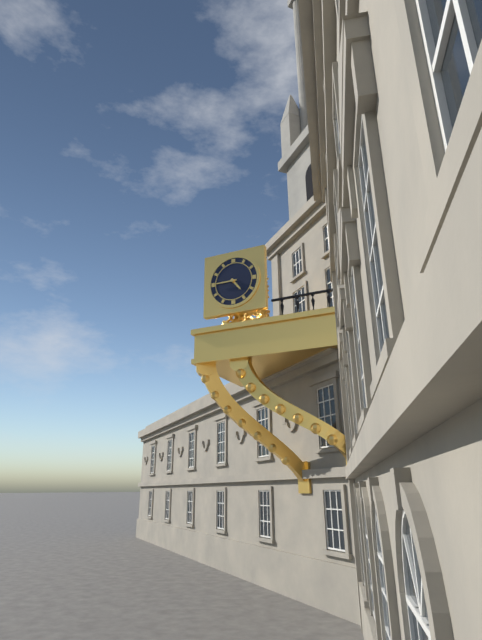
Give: 4:45
